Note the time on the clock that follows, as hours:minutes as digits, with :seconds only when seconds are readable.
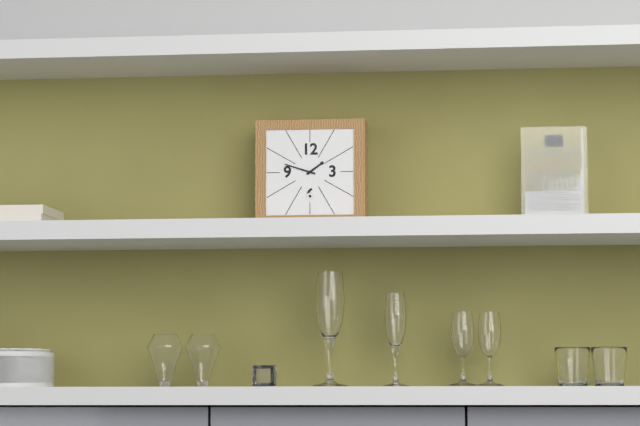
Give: 1:48
